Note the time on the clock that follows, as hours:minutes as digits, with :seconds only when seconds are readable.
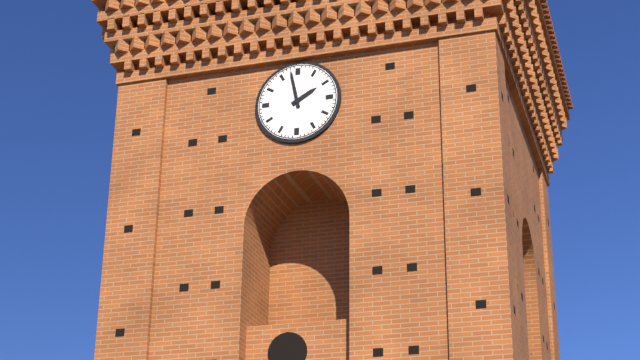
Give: 1:58
